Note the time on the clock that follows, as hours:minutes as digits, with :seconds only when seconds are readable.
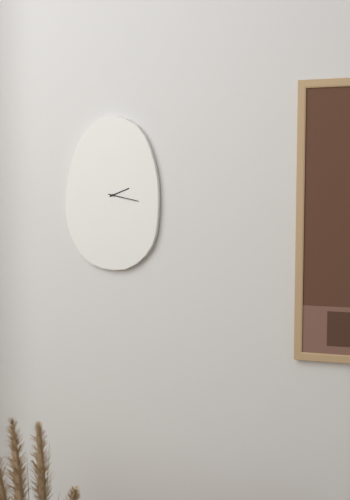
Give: 2:17
